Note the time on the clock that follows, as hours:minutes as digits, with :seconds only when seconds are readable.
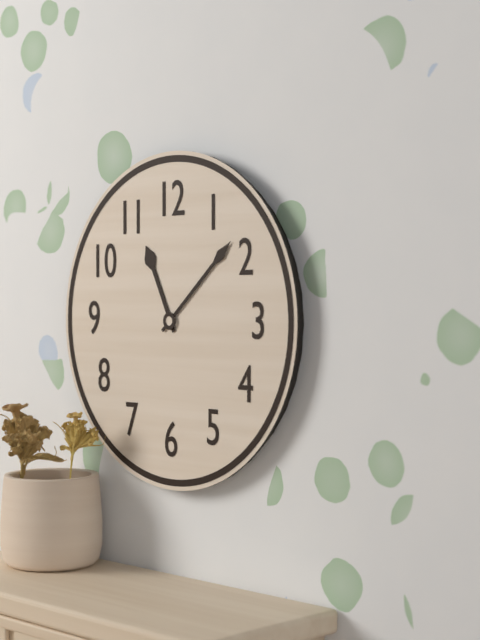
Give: 11:08
